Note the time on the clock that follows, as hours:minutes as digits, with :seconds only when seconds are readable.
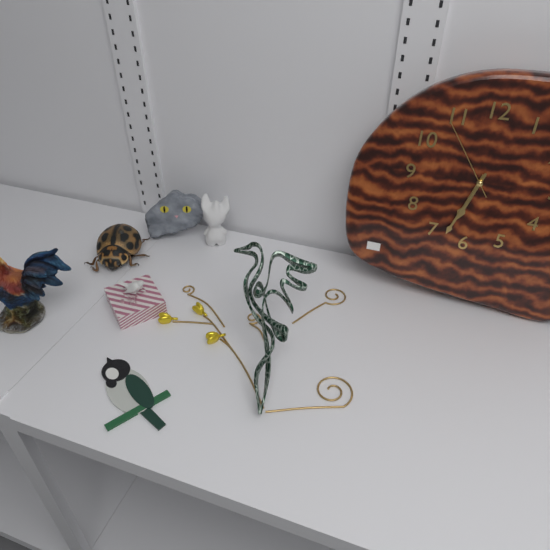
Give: 6:33:54
